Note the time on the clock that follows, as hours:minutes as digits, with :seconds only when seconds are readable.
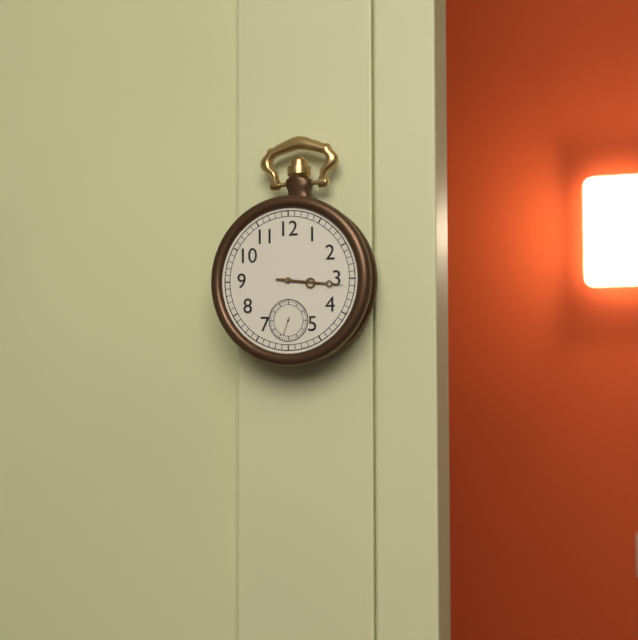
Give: 3:16
